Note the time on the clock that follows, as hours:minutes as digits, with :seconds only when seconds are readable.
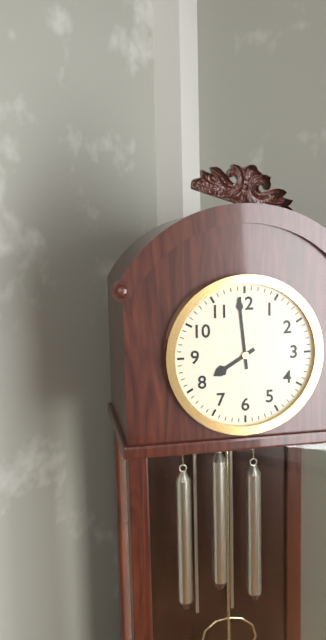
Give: 7:59
